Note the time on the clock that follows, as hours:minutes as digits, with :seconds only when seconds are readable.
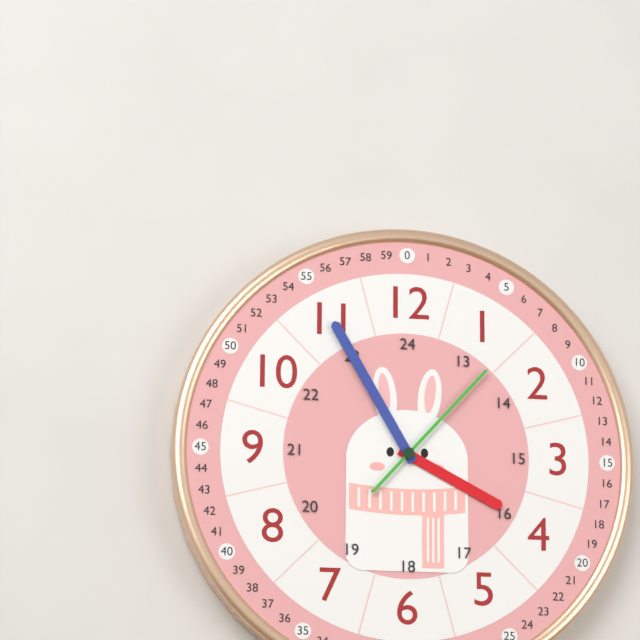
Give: 3:55:07
